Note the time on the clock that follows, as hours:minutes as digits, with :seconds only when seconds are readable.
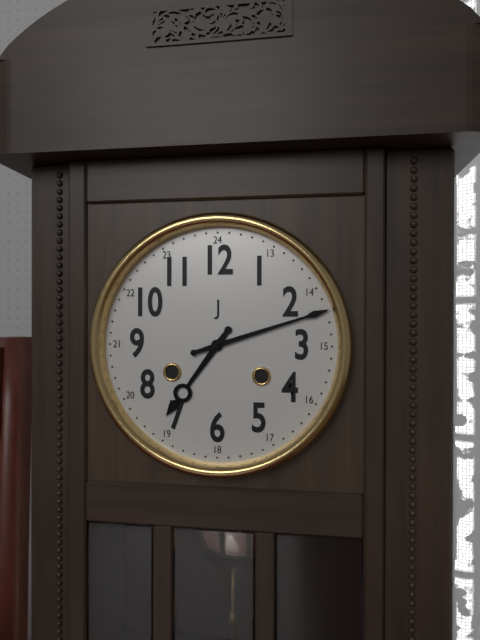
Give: 7:12
